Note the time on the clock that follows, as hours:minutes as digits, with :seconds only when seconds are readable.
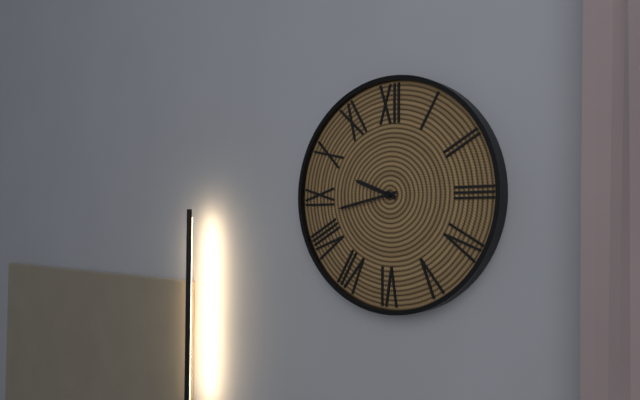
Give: 9:43
